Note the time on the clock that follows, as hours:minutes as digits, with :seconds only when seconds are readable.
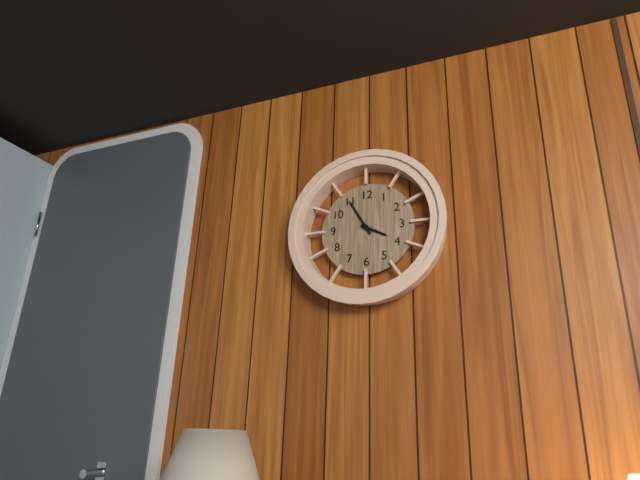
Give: 3:55
